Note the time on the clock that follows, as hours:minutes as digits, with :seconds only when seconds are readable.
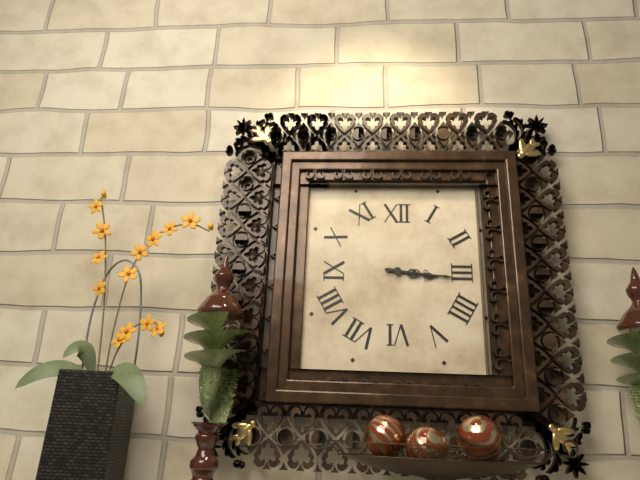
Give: 3:16
